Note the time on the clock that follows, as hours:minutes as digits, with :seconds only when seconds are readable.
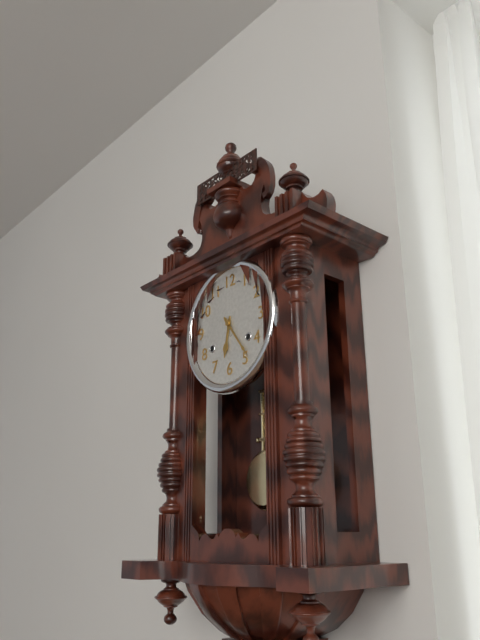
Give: 6:24
